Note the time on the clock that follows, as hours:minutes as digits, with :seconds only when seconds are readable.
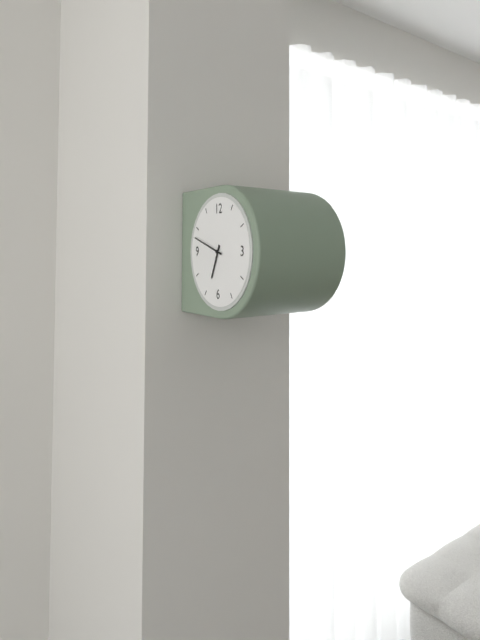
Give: 6:48
